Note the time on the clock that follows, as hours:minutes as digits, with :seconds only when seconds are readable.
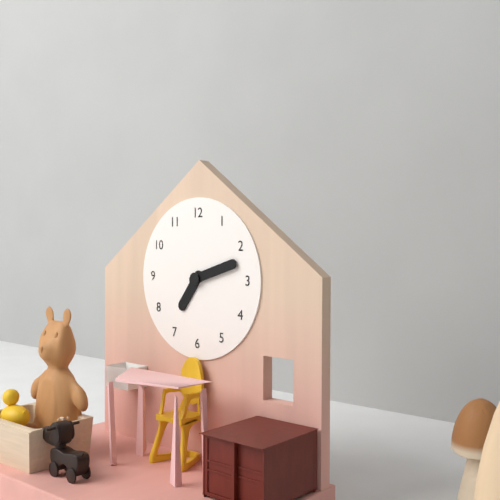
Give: 7:12
